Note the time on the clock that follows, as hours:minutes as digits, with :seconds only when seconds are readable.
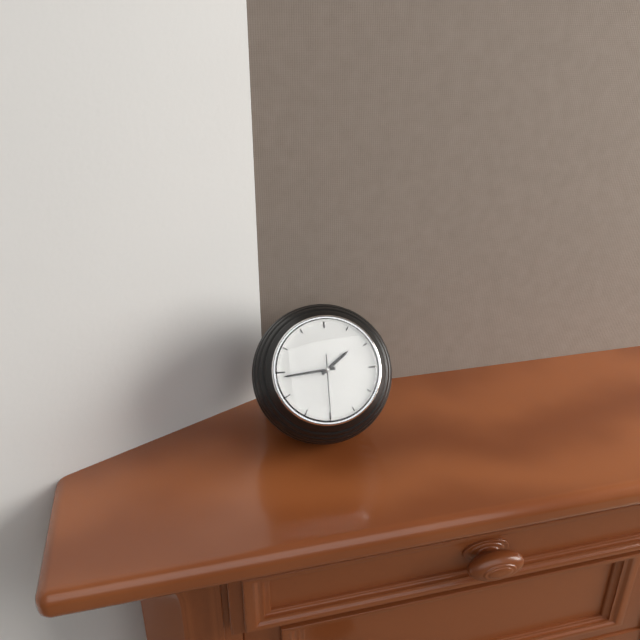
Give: 1:44:30
